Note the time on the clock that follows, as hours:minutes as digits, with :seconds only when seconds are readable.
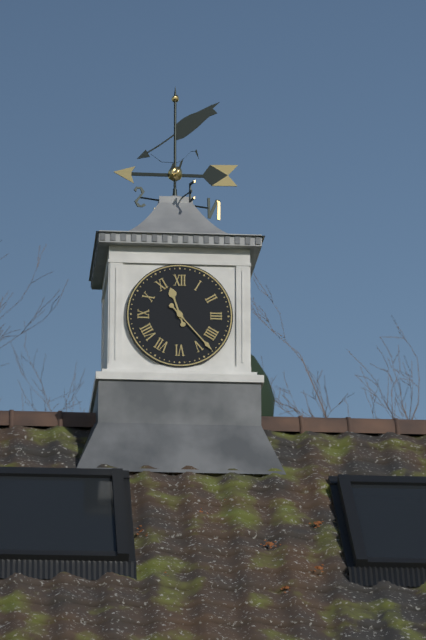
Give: 11:23
